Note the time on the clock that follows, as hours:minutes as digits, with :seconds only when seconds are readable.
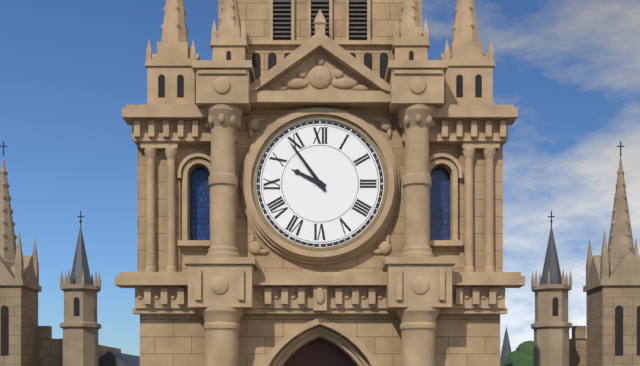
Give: 9:54
